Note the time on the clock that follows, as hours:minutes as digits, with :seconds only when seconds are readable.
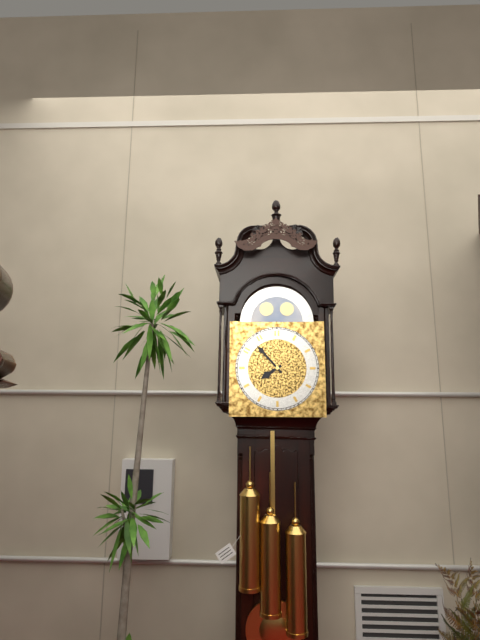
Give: 7:53
